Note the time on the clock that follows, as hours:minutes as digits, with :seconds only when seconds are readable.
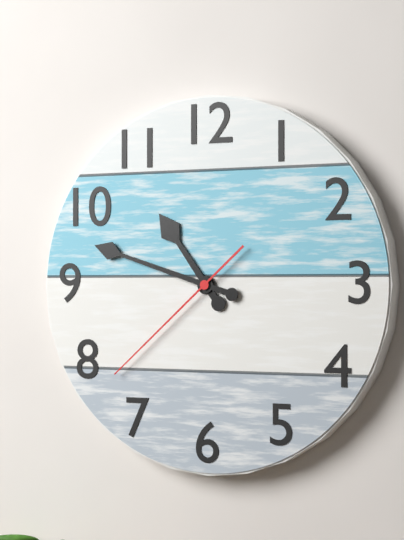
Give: 10:48:38
